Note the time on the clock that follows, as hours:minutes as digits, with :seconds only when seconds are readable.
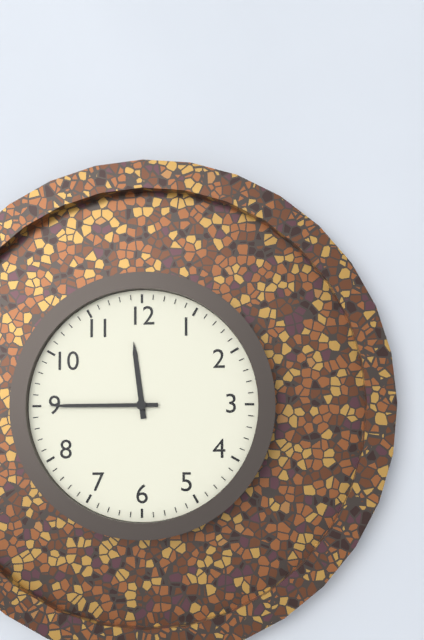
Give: 11:45
